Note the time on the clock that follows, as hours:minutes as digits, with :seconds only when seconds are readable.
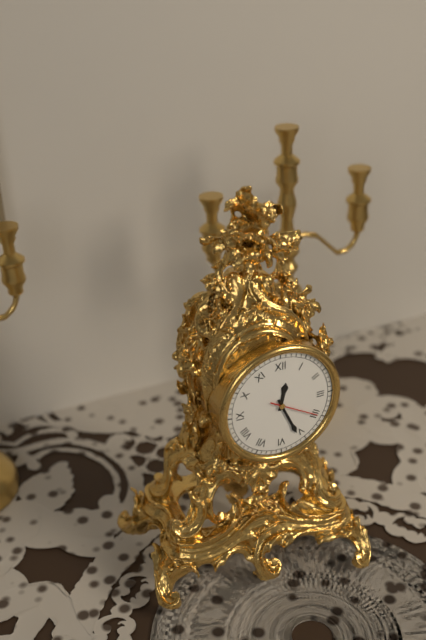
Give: 12:26
